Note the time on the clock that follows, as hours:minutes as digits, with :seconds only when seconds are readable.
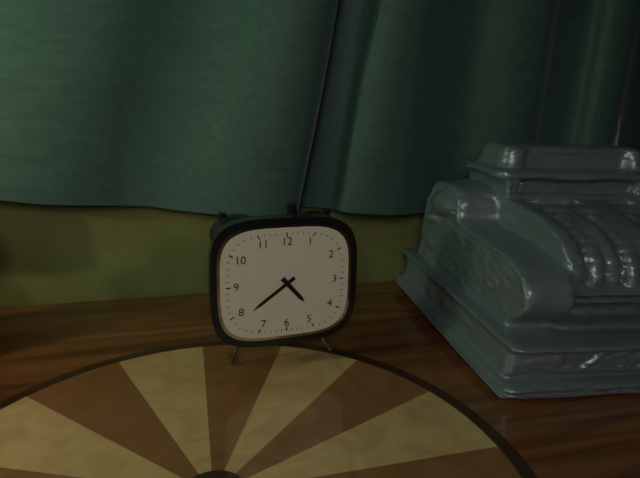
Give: 4:39
